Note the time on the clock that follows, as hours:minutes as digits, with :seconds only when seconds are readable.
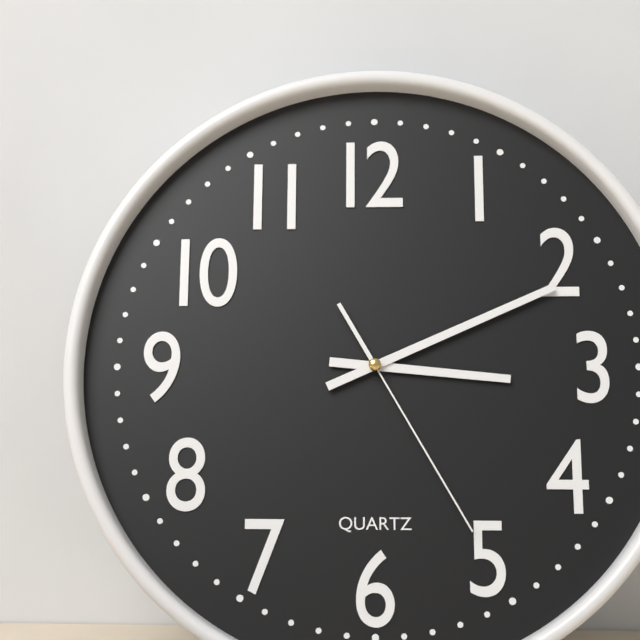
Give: 3:11:25
